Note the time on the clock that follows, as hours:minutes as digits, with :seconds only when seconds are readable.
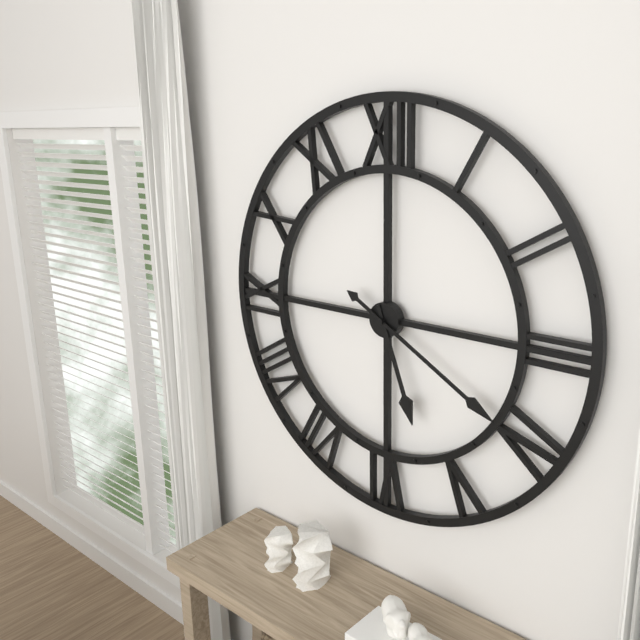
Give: 5:20
